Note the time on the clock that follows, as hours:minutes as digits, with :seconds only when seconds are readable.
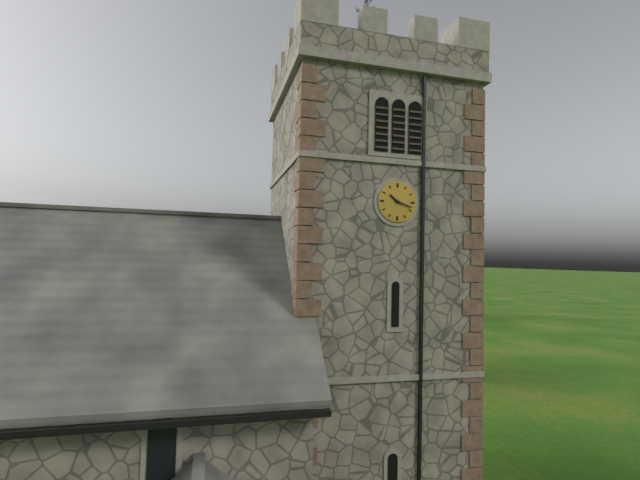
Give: 10:18
